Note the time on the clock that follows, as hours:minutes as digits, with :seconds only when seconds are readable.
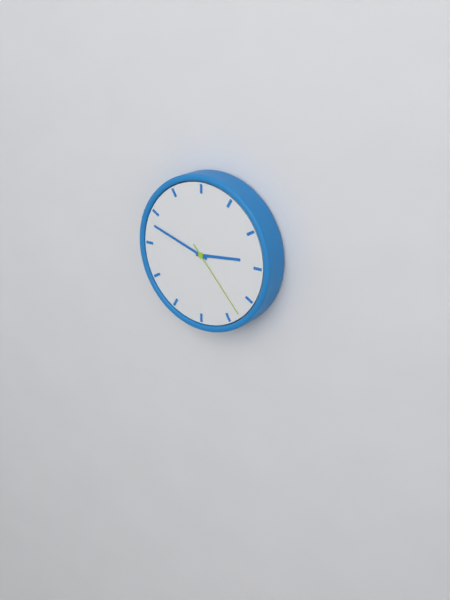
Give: 2:48:23
